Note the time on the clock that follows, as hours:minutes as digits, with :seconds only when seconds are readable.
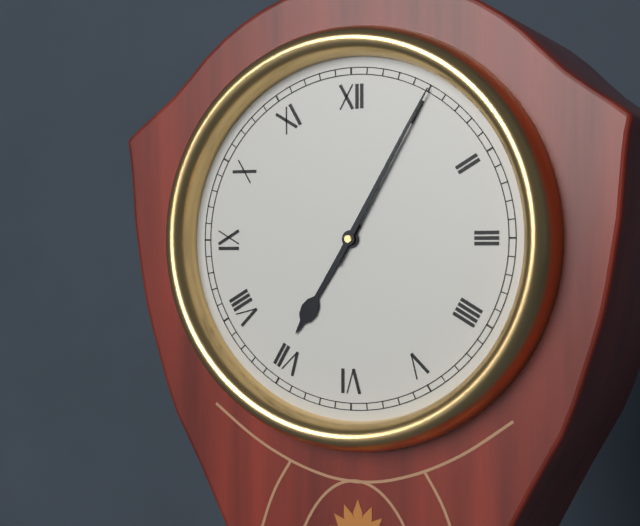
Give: 7:05
